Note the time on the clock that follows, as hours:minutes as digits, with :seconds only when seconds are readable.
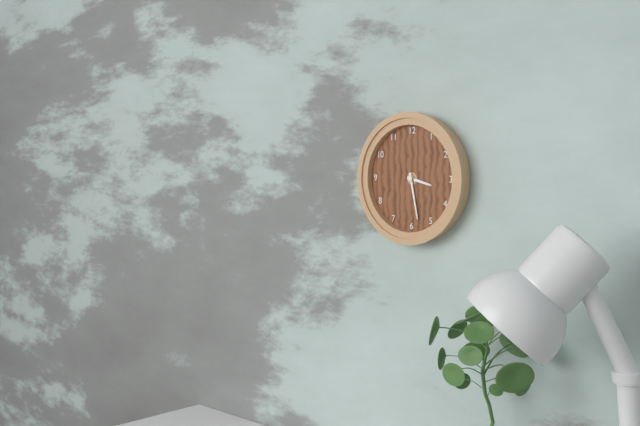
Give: 3:28
